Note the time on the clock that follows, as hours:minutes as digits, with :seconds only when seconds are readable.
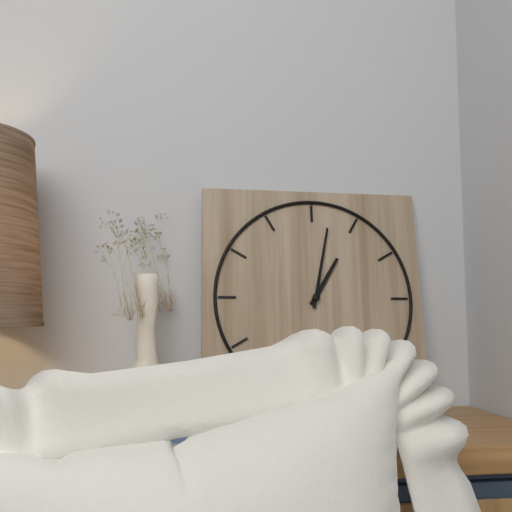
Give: 1:02
